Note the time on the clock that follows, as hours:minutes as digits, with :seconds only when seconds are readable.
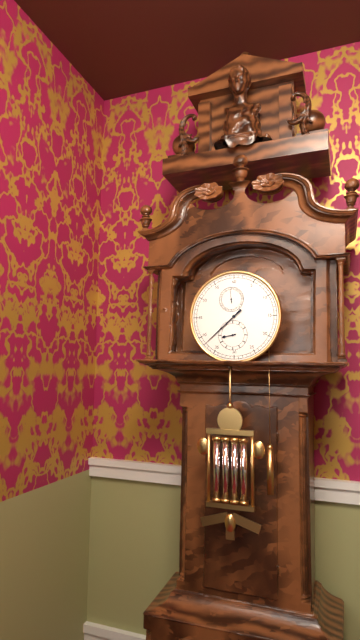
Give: 8:38
